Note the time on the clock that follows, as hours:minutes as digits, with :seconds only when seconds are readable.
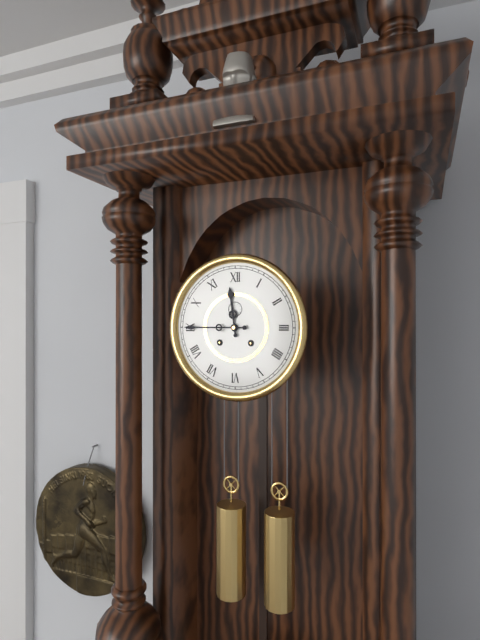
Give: 11:45
